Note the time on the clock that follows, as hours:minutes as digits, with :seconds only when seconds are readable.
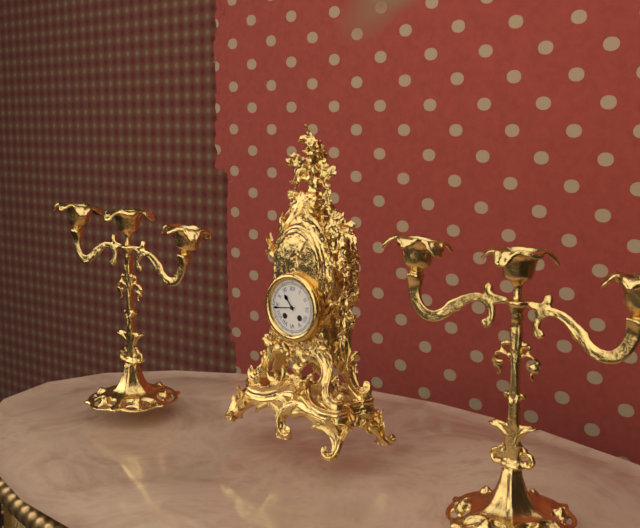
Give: 10:44
